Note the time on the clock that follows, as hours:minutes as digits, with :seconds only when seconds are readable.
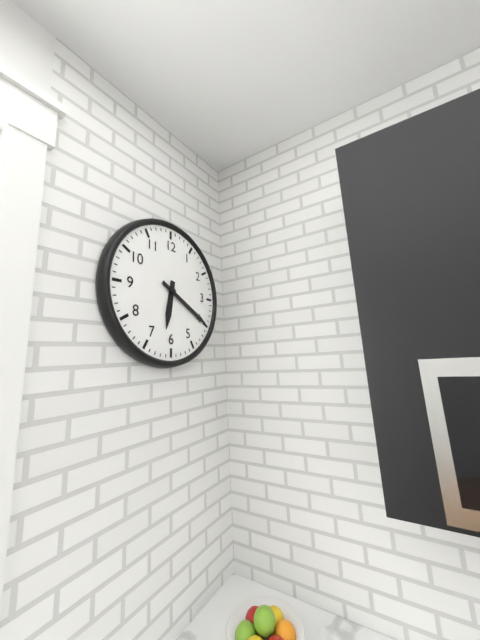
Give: 6:20
